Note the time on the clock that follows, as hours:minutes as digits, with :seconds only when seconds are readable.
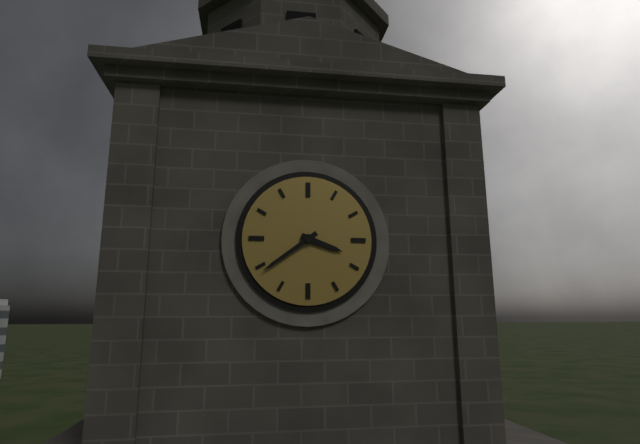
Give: 3:39
